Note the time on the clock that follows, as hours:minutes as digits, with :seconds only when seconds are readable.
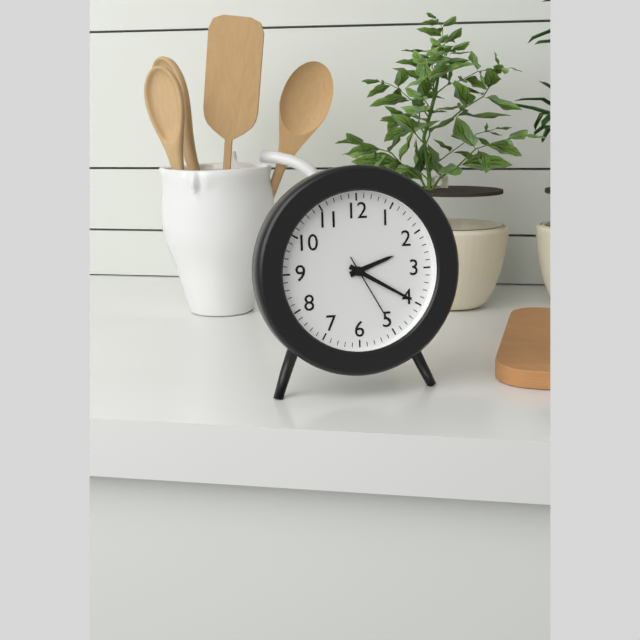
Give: 2:20:25
